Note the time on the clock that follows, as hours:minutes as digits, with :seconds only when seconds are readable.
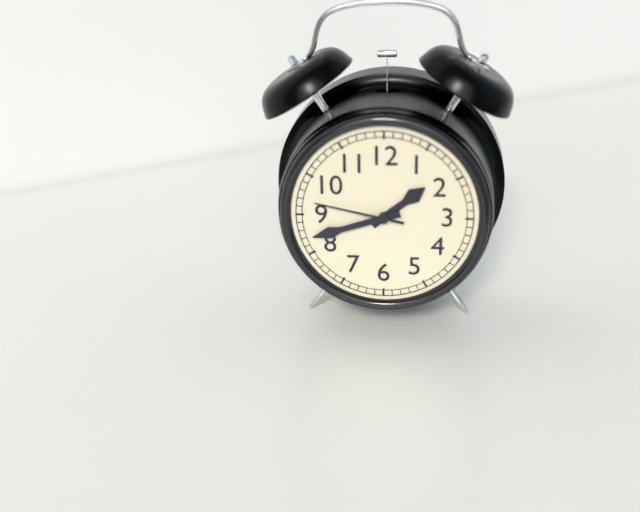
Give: 1:42:47
